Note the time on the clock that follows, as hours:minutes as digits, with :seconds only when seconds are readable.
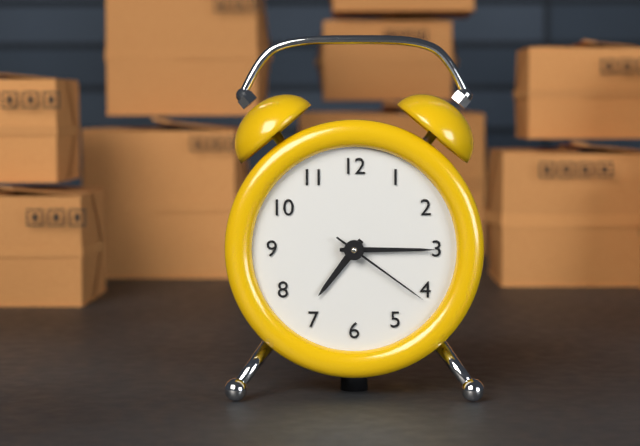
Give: 7:15:21
